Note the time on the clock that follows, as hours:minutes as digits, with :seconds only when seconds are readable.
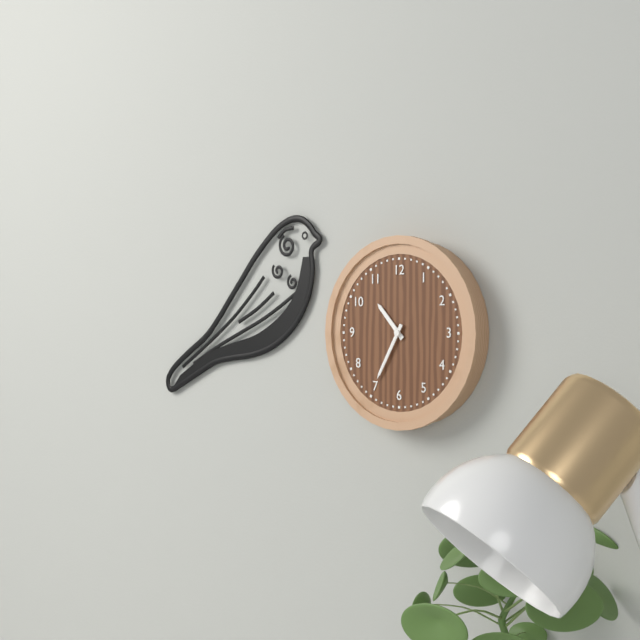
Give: 10:35
